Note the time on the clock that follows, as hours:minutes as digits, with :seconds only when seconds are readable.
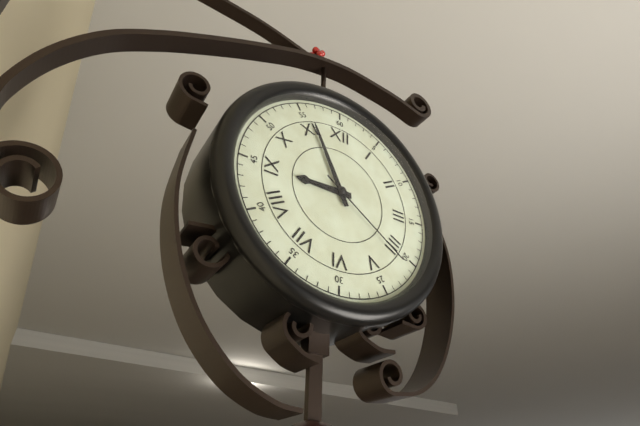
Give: 8:56:21
